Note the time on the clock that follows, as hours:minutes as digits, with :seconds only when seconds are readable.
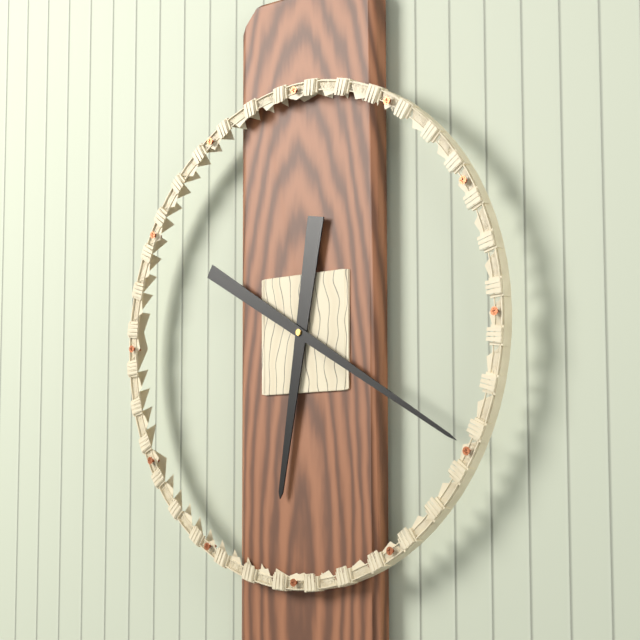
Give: 6:20
